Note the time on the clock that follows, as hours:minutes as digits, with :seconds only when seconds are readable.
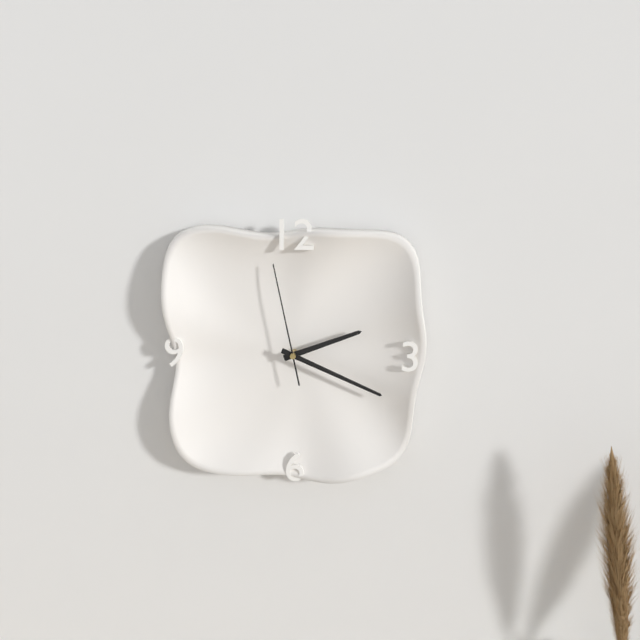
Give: 2:19:58
